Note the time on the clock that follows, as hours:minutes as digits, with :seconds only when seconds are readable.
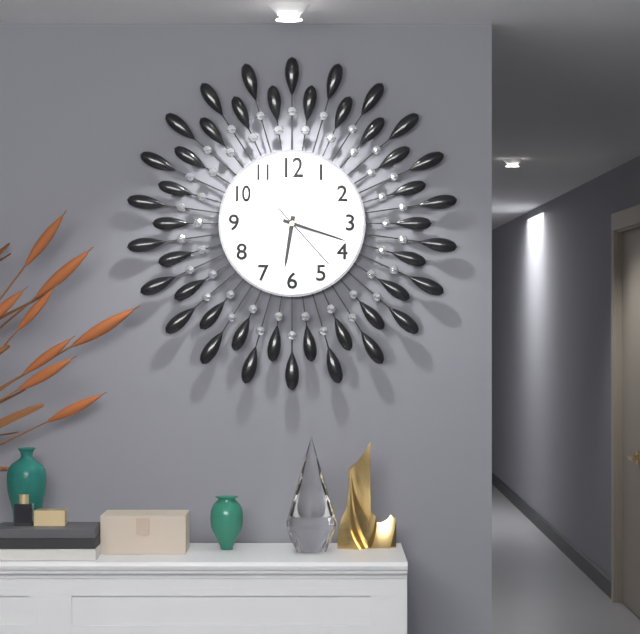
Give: 6:18:23
